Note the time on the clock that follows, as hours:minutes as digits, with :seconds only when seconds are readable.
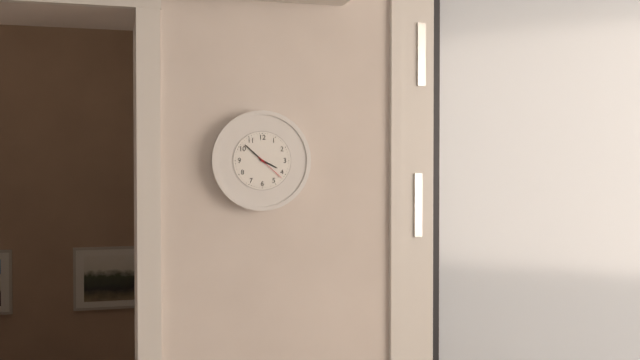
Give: 3:52
